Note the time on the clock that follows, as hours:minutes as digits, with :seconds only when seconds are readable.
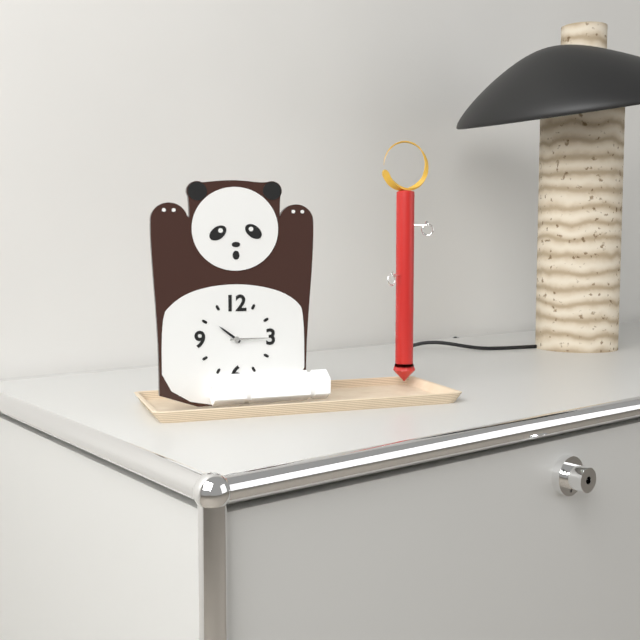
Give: 10:15
